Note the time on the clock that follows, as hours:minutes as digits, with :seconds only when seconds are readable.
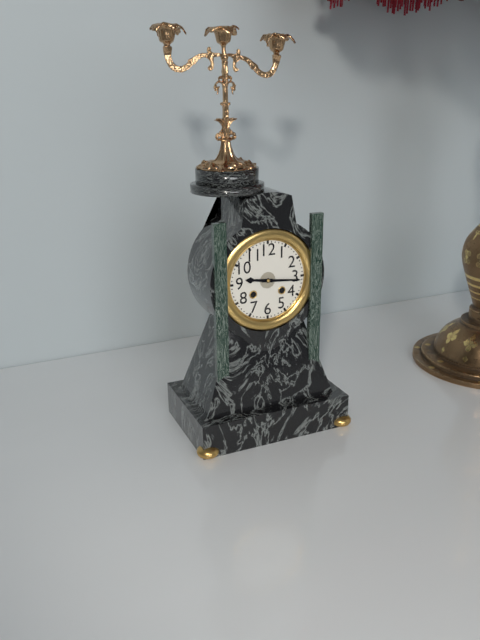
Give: 9:16
